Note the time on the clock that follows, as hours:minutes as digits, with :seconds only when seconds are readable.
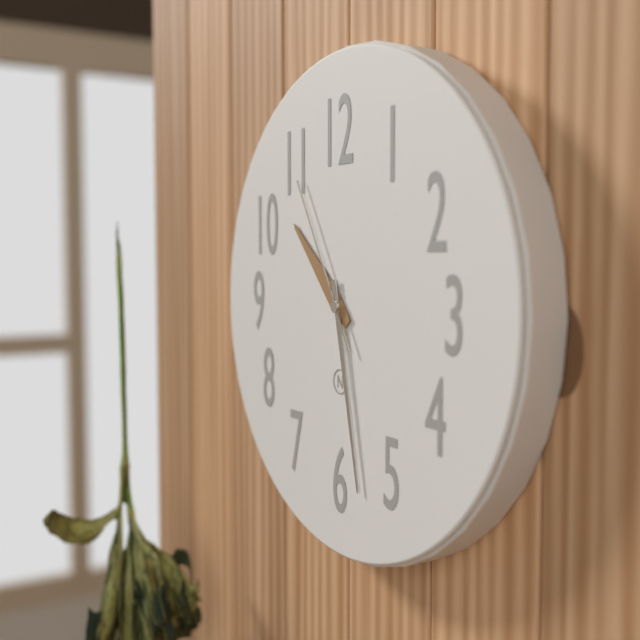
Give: 10:28:55
